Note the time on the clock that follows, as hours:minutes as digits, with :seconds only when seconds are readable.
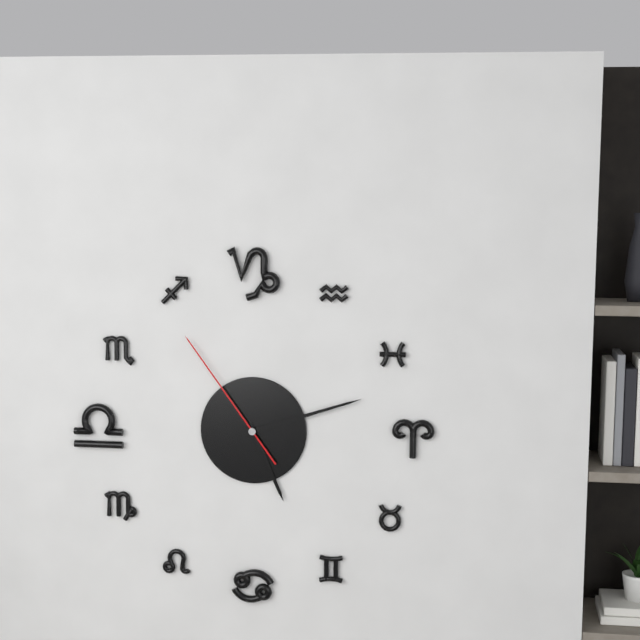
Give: 5:12:54
